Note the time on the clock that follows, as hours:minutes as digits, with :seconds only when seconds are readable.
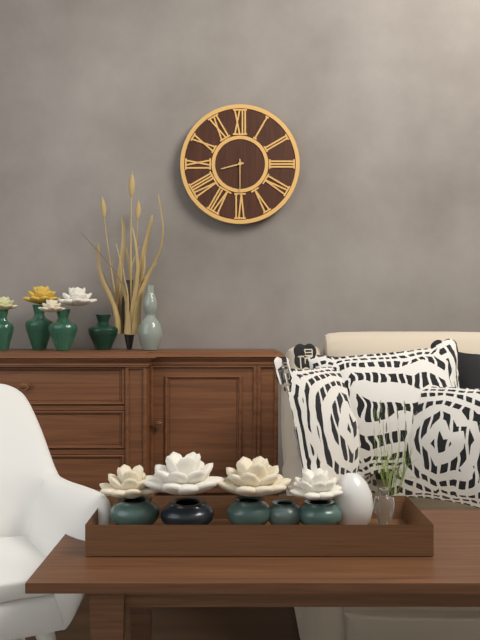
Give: 8:30
